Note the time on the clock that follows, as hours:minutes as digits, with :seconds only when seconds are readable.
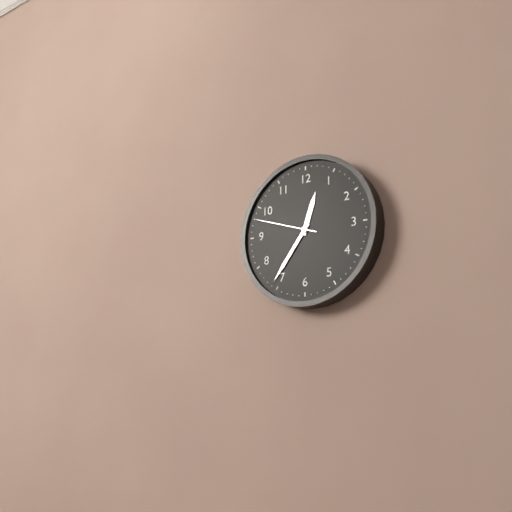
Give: 12:36:48
